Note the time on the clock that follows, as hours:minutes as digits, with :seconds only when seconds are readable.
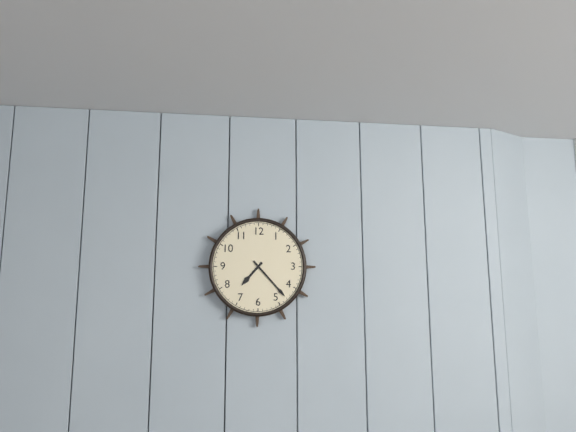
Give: 7:23
